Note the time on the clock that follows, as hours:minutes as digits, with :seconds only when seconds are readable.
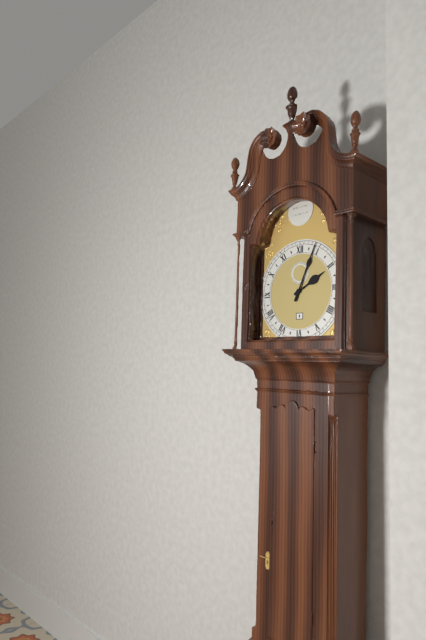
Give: 2:04
